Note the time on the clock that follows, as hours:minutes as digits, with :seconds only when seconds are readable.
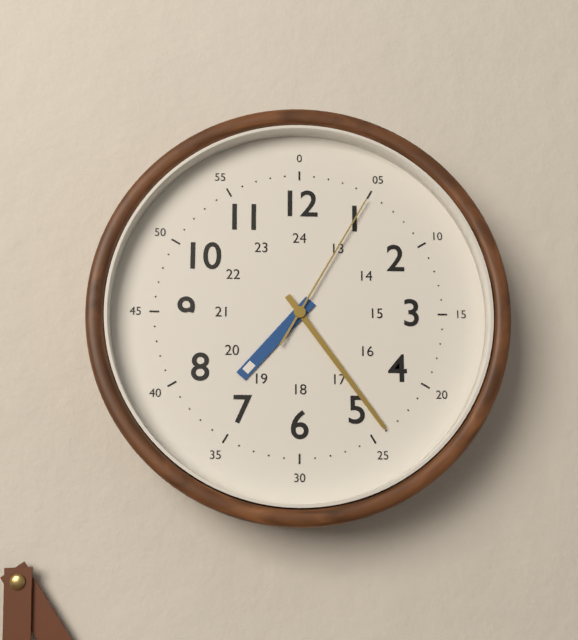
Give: 7:24:05
